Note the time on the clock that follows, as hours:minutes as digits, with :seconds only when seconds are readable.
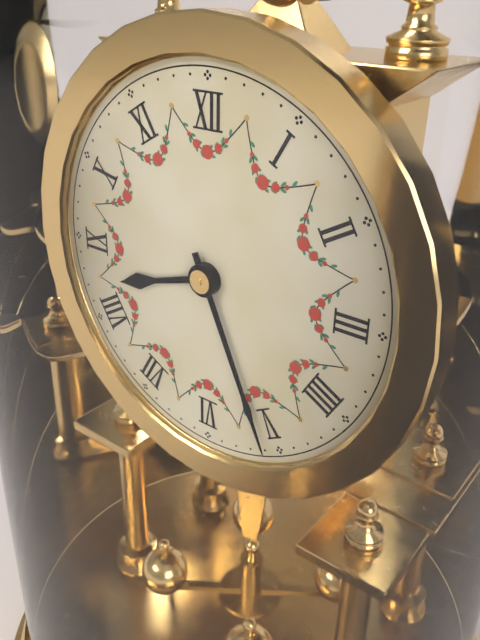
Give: 8:26
